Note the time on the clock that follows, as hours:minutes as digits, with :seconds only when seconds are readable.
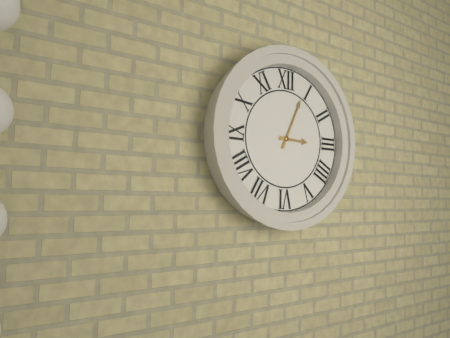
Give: 3:04
